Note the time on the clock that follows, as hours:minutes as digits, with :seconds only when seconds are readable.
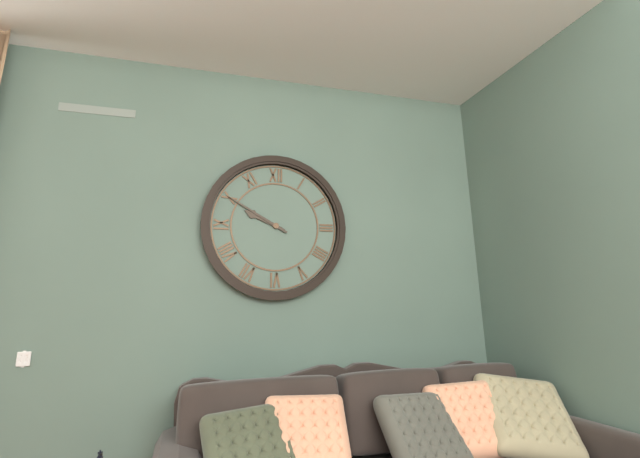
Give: 9:50
